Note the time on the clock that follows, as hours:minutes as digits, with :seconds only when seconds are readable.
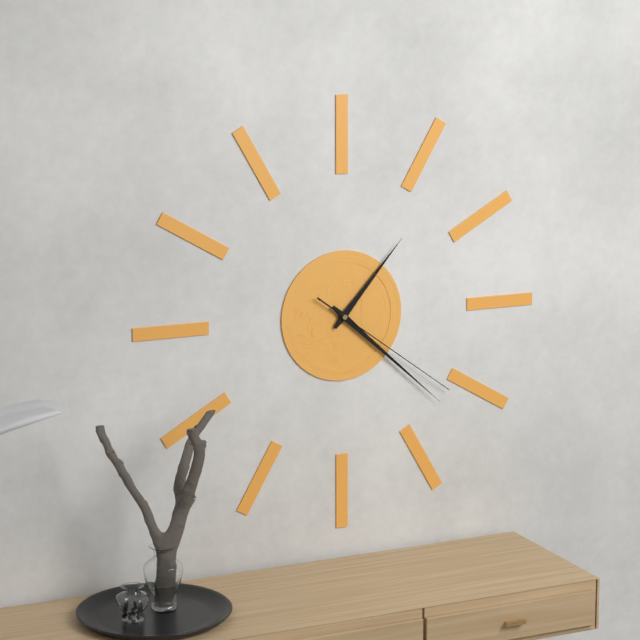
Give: 1:22:21
